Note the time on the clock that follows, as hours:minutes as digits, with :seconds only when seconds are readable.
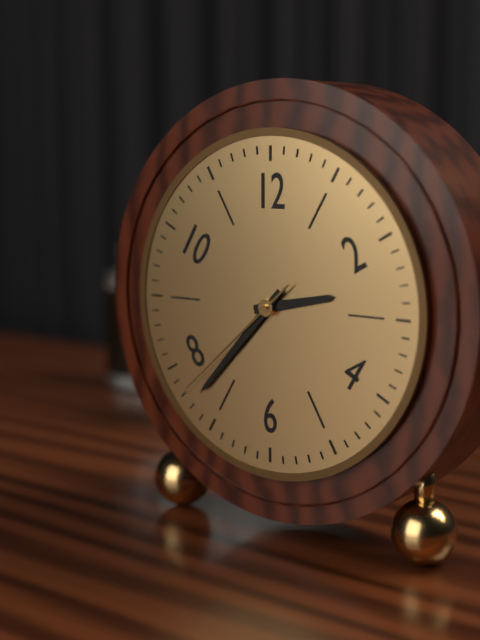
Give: 2:37:38
